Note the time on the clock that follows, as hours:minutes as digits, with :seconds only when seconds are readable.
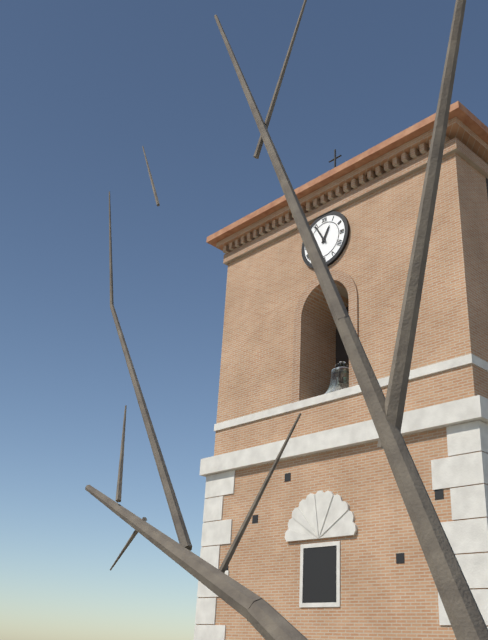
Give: 12:55
